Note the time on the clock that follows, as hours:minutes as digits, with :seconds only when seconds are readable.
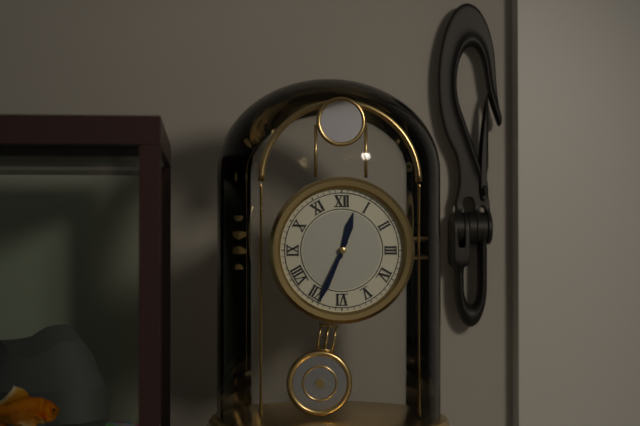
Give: 12:34
